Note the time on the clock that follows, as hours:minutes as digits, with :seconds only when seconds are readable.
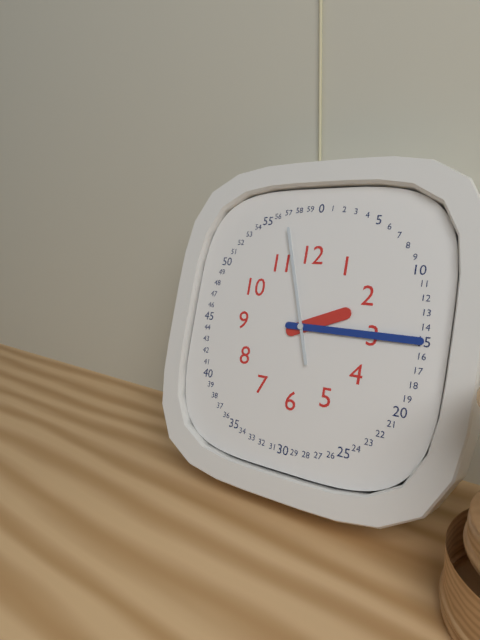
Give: 2:15:57
